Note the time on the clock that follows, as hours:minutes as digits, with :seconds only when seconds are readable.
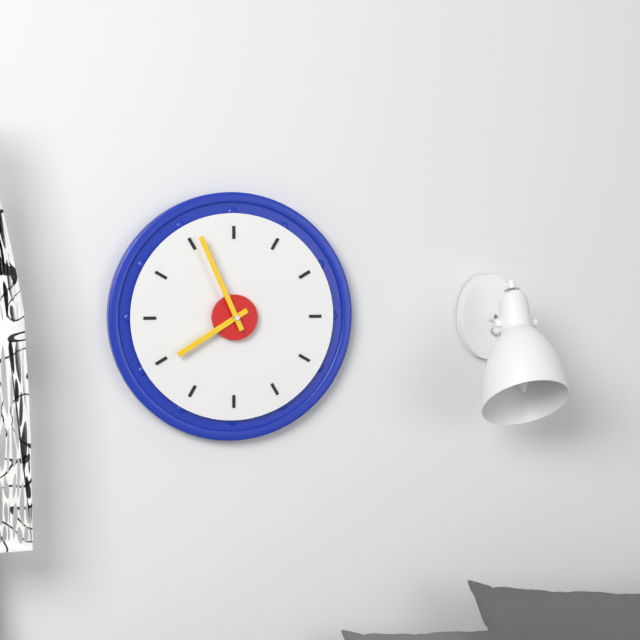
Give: 7:56
